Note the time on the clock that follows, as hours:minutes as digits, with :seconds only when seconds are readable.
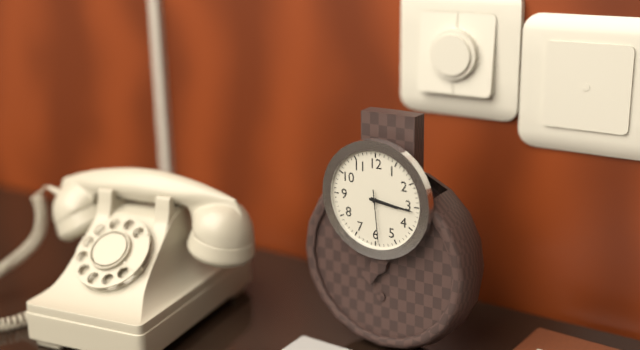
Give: 3:16:29
